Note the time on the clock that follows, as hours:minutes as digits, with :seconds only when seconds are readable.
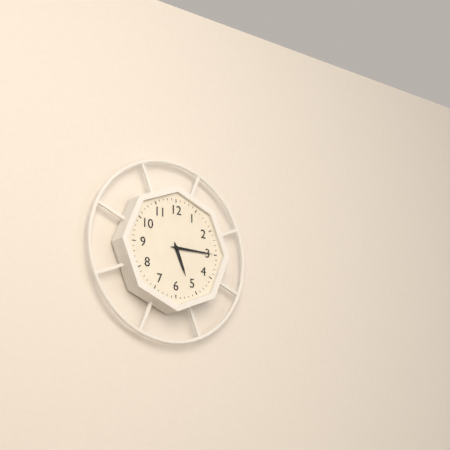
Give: 5:15
